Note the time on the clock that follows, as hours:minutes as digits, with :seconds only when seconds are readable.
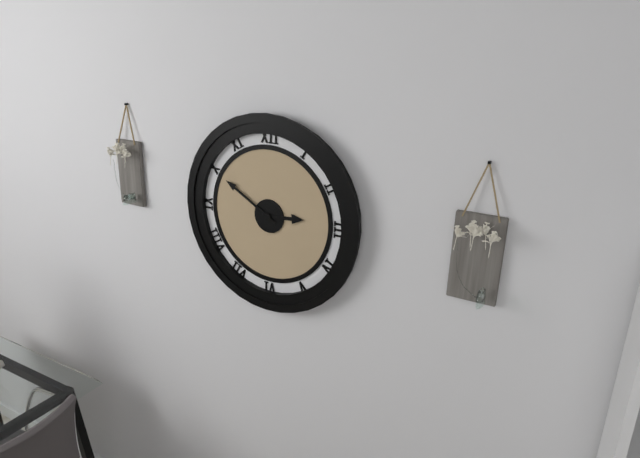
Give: 2:50
